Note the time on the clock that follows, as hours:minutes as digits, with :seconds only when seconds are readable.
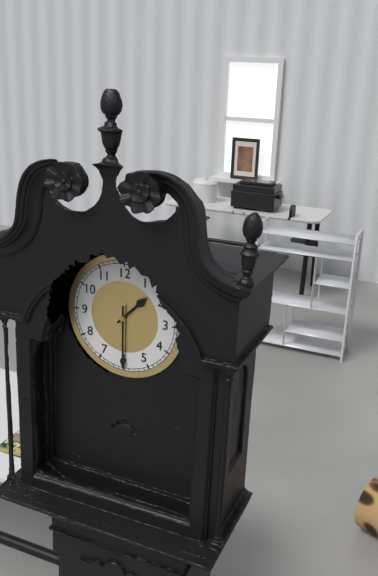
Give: 1:30
